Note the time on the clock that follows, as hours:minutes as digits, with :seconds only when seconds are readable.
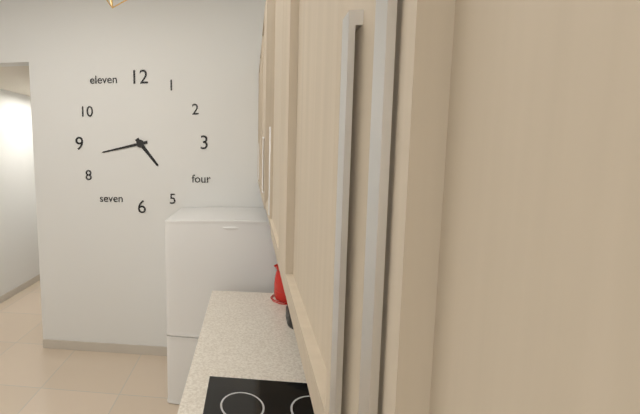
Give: 4:43
